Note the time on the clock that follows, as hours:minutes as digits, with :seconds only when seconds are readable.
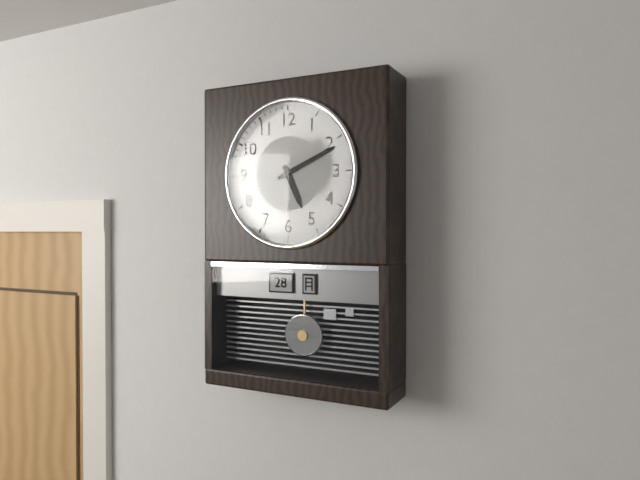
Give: 5:11
